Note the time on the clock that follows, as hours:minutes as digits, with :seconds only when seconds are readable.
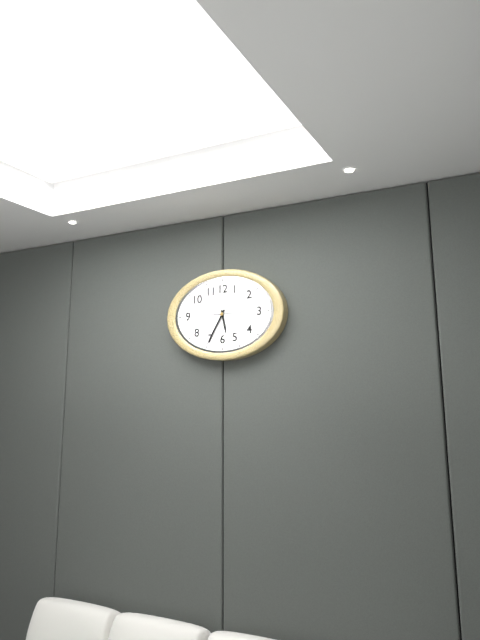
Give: 5:35
